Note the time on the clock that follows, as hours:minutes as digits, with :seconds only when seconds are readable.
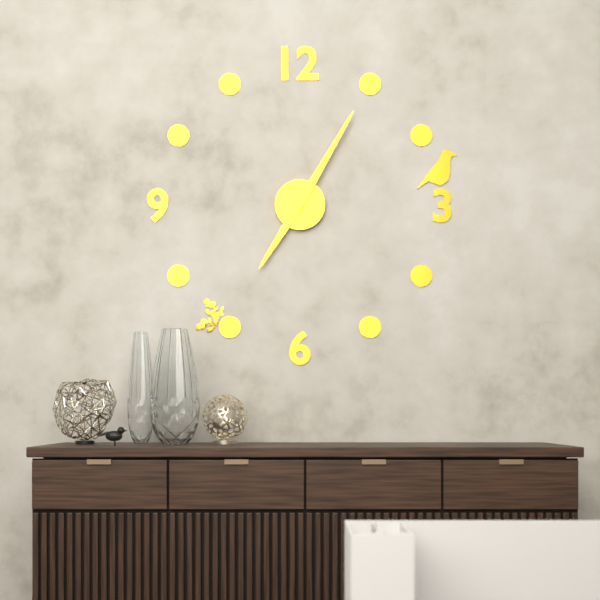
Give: 7:05
